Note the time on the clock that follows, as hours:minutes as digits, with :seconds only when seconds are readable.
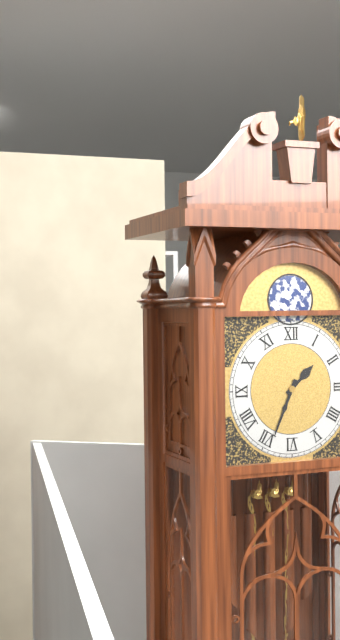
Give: 1:34
